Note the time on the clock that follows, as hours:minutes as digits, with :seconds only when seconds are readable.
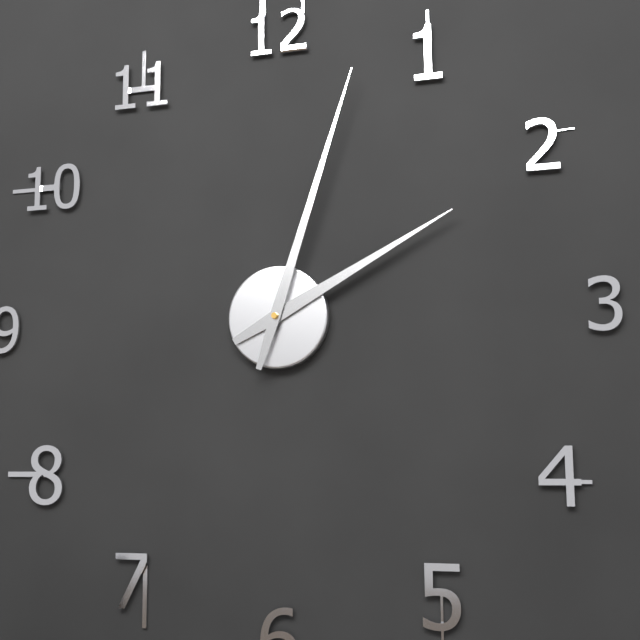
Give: 2:03
